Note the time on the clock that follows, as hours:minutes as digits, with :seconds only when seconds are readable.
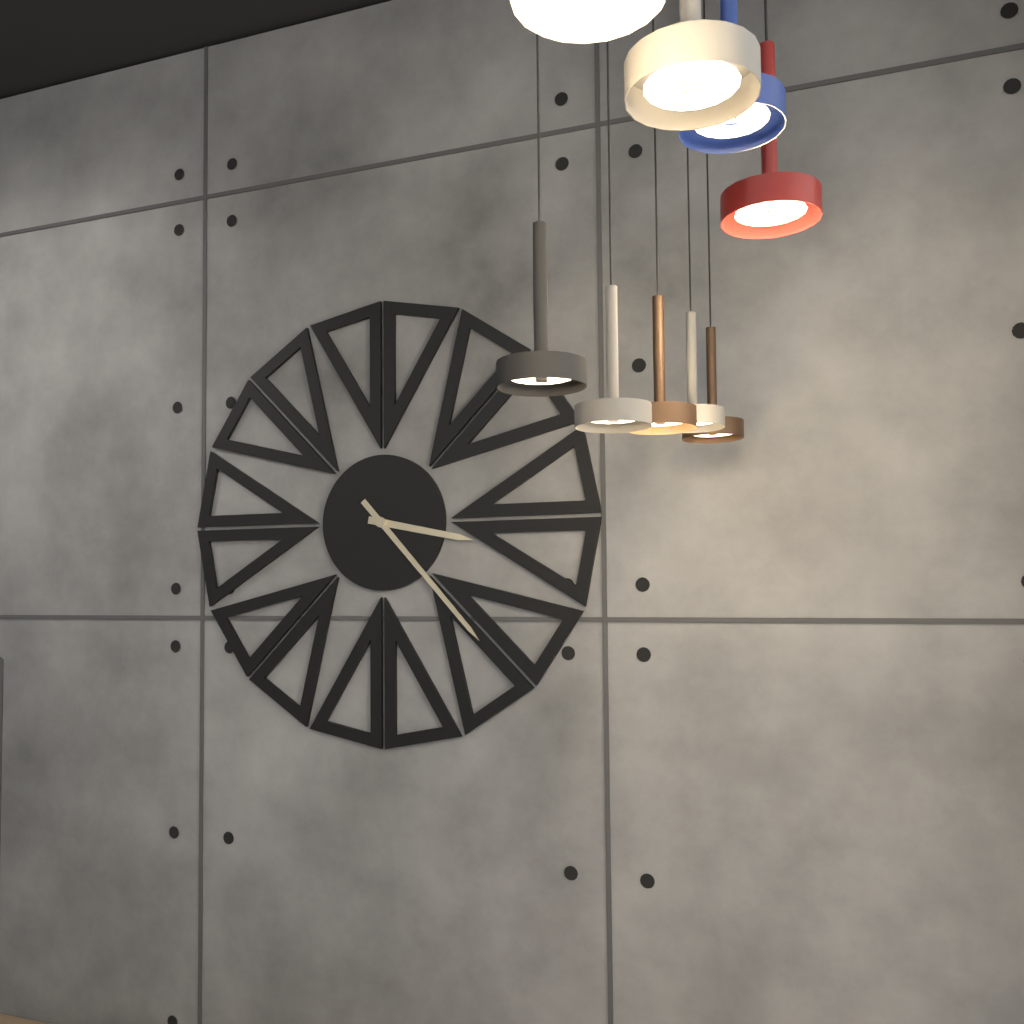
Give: 3:23
